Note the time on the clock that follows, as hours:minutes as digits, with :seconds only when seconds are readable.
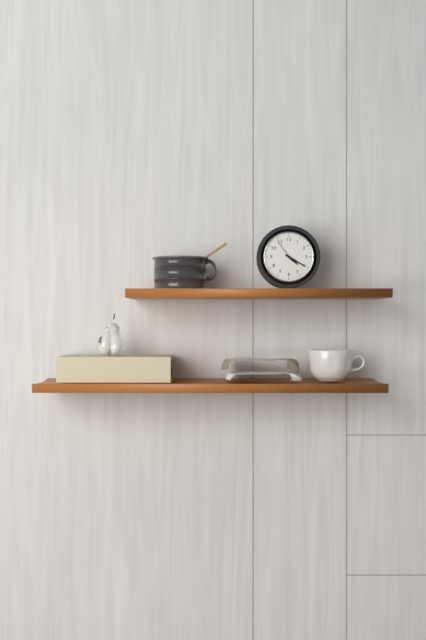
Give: 4:20
